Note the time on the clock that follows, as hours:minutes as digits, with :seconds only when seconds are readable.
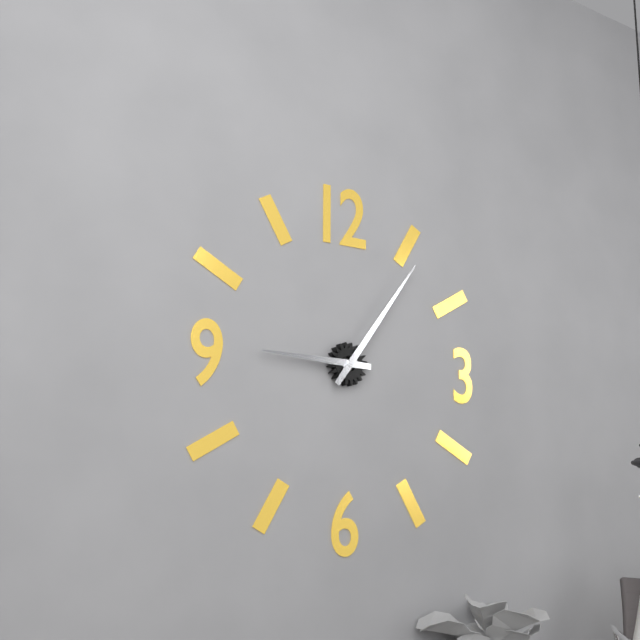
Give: 9:06
